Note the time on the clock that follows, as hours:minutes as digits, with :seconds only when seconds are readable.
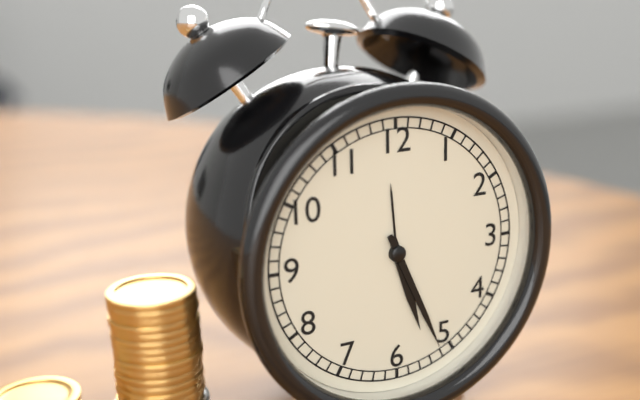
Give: 5:26
